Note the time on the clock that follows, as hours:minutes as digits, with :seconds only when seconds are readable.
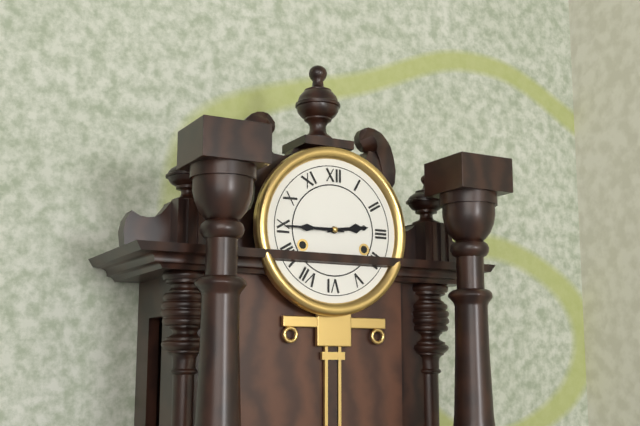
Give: 2:45
